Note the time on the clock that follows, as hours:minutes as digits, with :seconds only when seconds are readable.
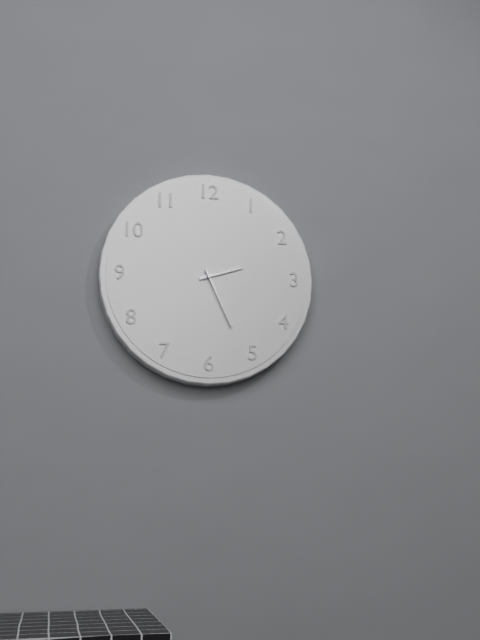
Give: 2:26
